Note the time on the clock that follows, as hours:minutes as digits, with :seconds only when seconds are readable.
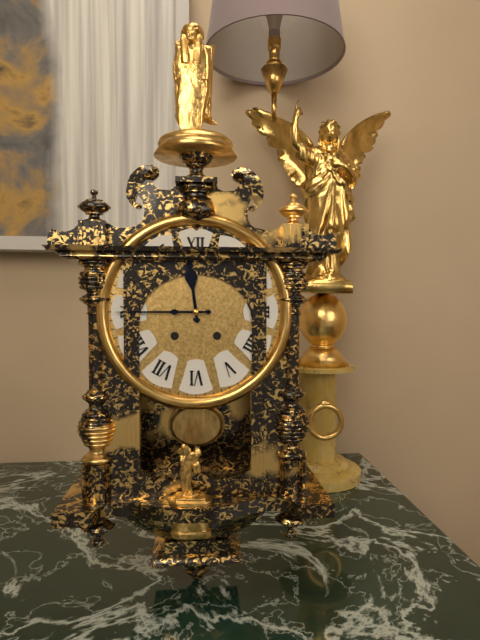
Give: 11:45
